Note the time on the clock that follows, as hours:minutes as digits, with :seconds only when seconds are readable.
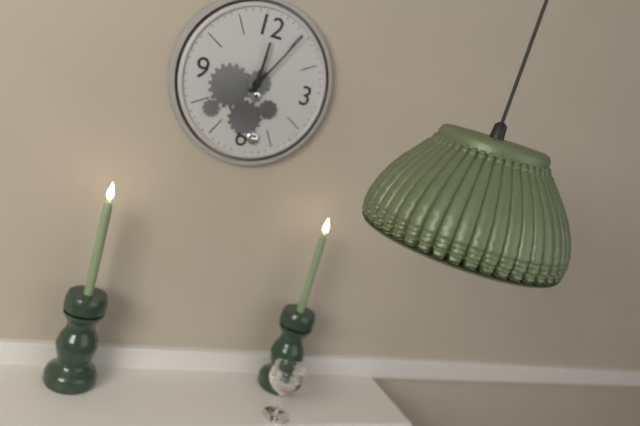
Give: 12:05
